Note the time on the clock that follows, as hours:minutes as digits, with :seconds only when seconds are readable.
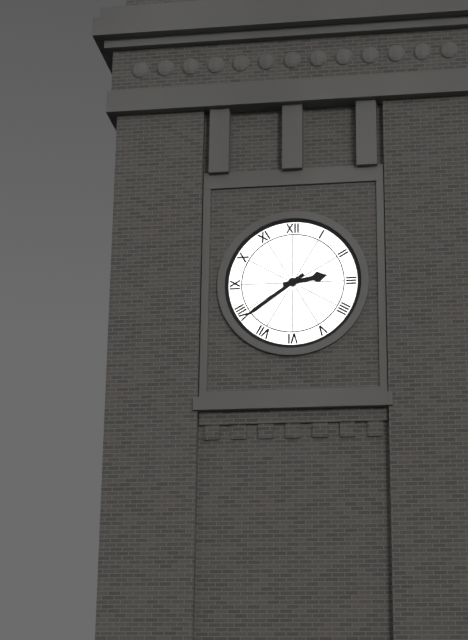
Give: 2:39
